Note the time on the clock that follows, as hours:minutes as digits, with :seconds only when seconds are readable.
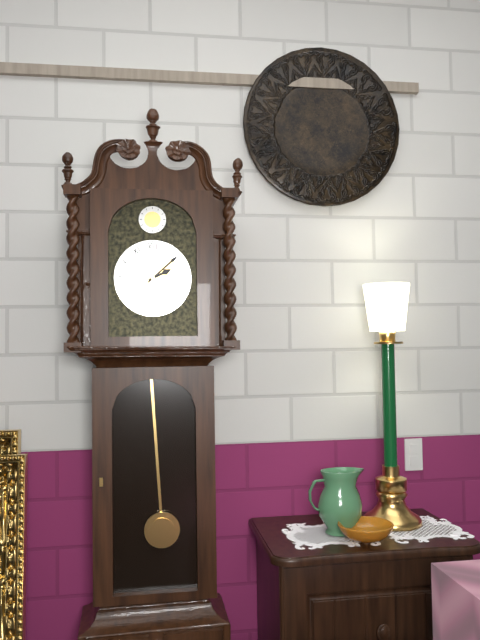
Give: 2:08
